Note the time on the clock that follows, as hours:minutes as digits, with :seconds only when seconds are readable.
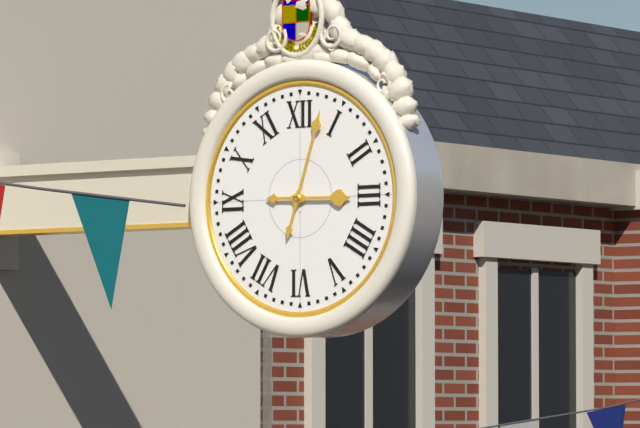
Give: 3:03
